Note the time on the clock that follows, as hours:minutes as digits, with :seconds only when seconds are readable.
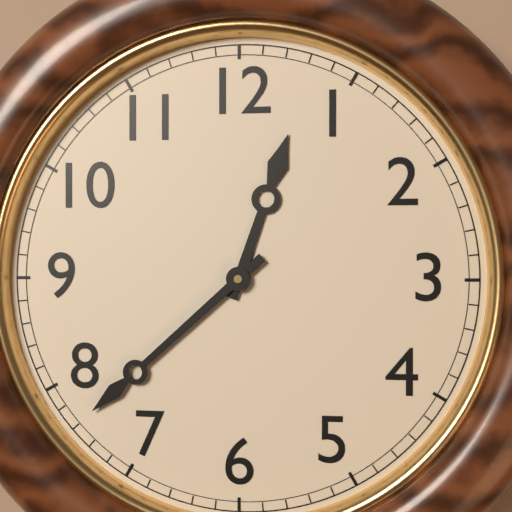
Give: 12:38
